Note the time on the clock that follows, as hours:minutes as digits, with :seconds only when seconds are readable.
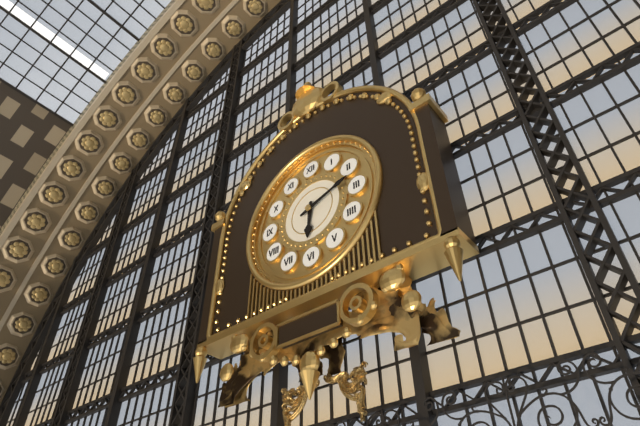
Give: 6:12
